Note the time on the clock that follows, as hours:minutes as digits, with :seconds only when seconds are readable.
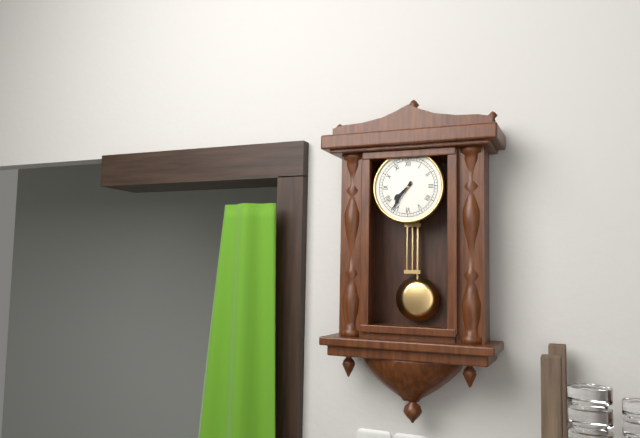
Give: 7:36
